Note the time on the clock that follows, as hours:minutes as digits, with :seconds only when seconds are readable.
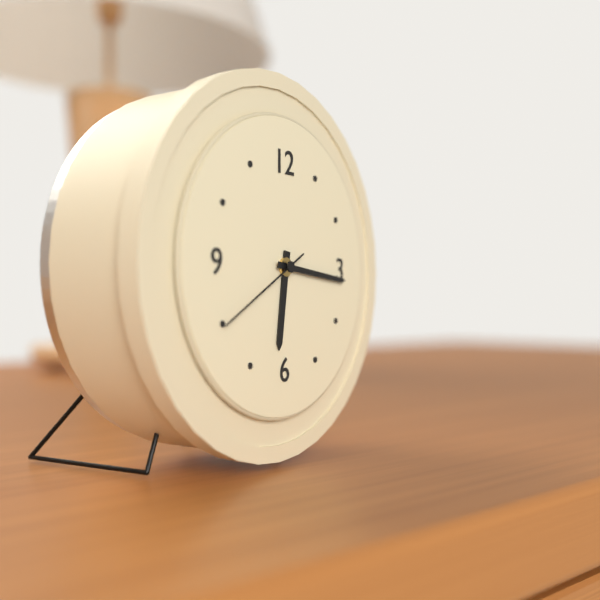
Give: 6:16:40
